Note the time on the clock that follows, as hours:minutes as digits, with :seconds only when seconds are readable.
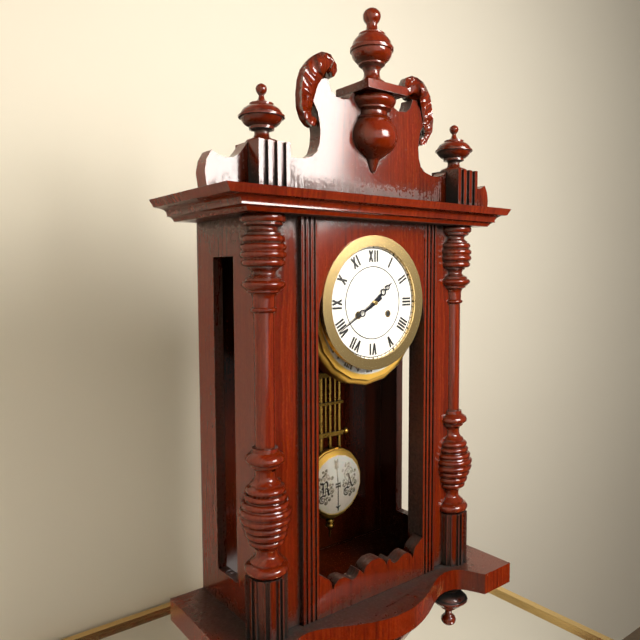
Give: 1:40
